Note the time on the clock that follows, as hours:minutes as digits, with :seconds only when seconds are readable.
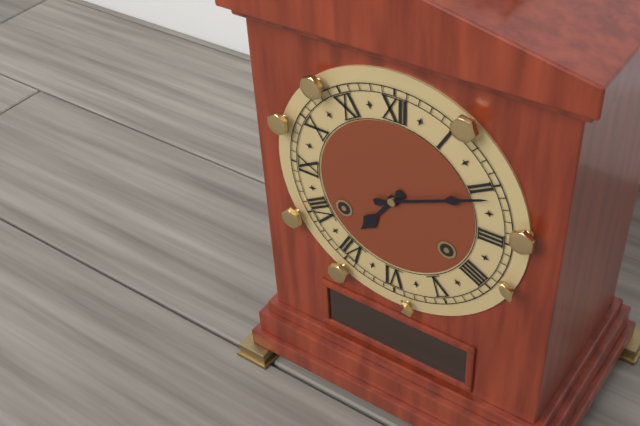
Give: 7:11
